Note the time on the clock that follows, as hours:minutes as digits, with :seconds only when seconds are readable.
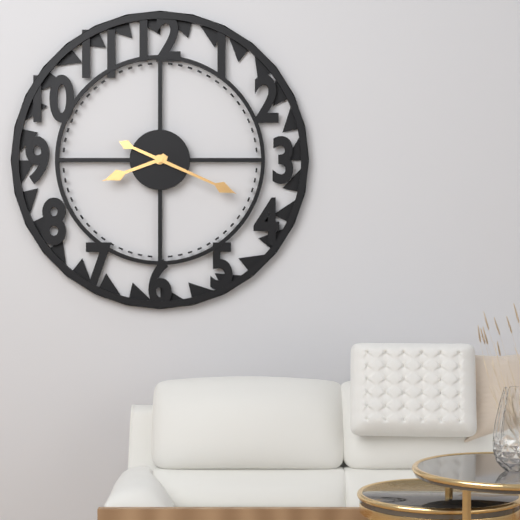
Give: 8:19
